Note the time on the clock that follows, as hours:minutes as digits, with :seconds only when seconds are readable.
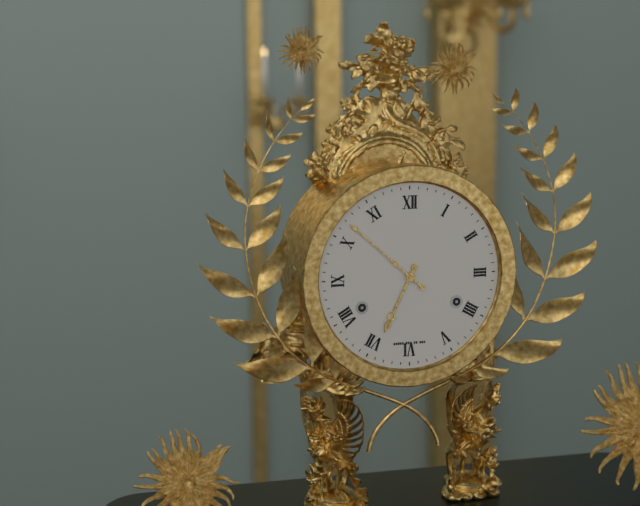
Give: 6:52
